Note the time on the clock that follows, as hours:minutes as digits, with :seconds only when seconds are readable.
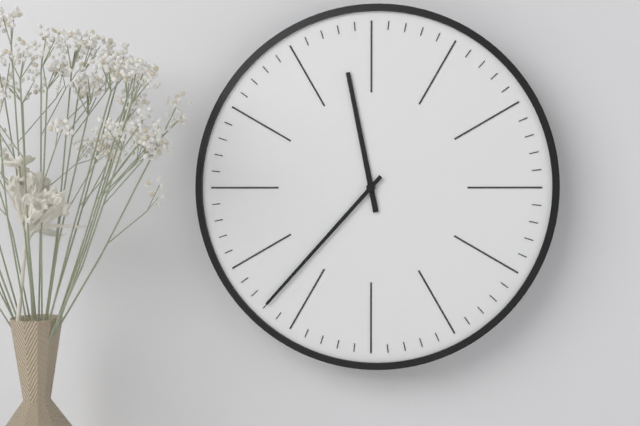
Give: 11:37
